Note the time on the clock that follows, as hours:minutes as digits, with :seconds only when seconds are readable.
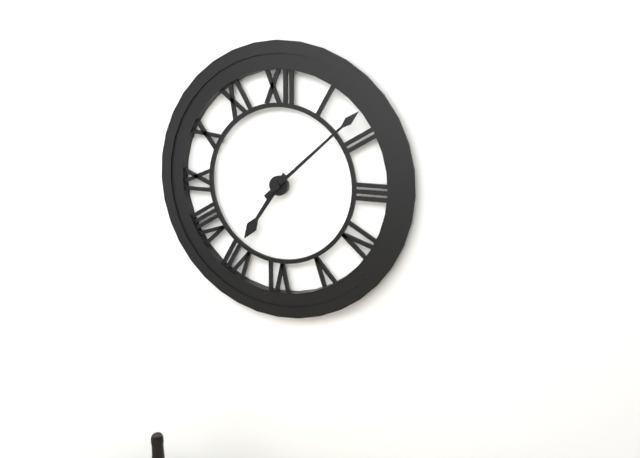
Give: 7:08
